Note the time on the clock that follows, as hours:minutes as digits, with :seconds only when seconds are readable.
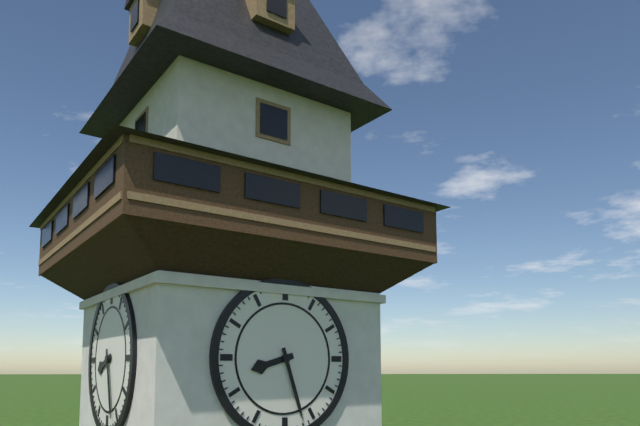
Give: 8:27
